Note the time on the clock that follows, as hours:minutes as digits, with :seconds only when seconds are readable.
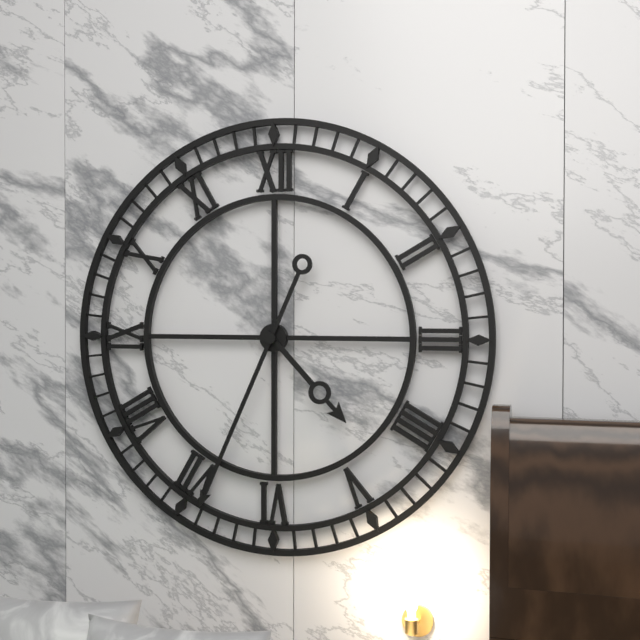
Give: 4:34
